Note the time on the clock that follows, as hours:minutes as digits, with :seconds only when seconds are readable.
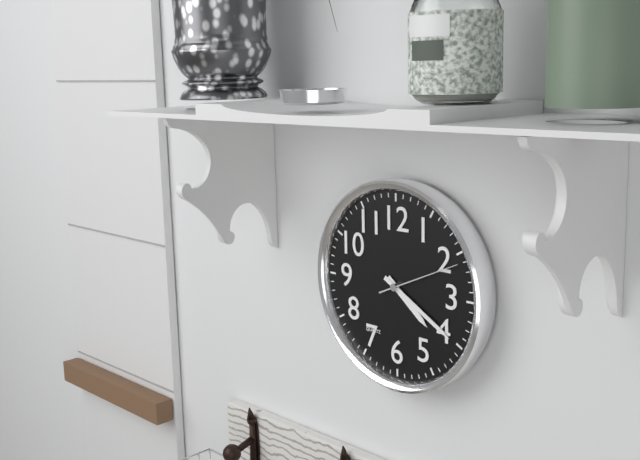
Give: 4:20:11
